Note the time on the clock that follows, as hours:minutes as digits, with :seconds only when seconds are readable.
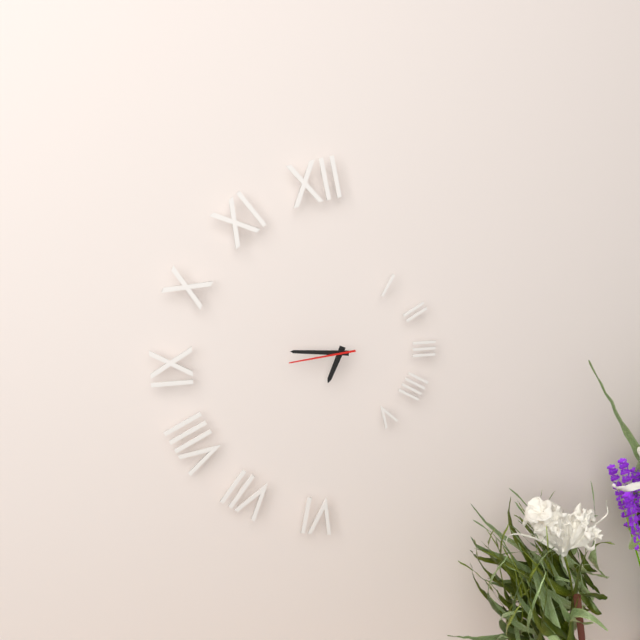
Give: 6:46:44
